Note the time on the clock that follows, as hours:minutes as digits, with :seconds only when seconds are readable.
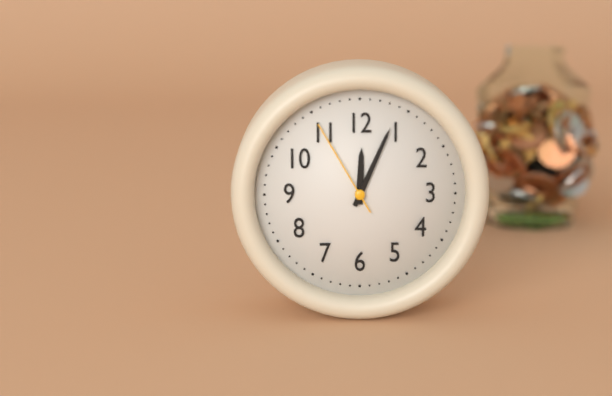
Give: 12:04:55
